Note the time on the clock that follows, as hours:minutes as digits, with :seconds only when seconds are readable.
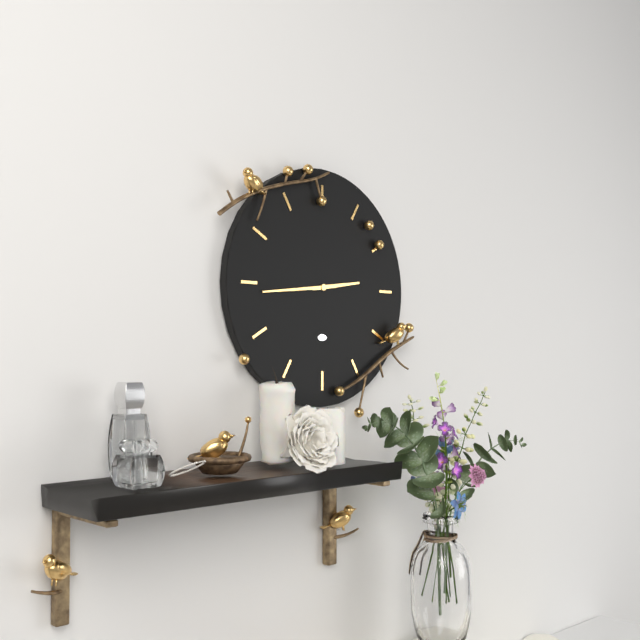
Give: 2:44
